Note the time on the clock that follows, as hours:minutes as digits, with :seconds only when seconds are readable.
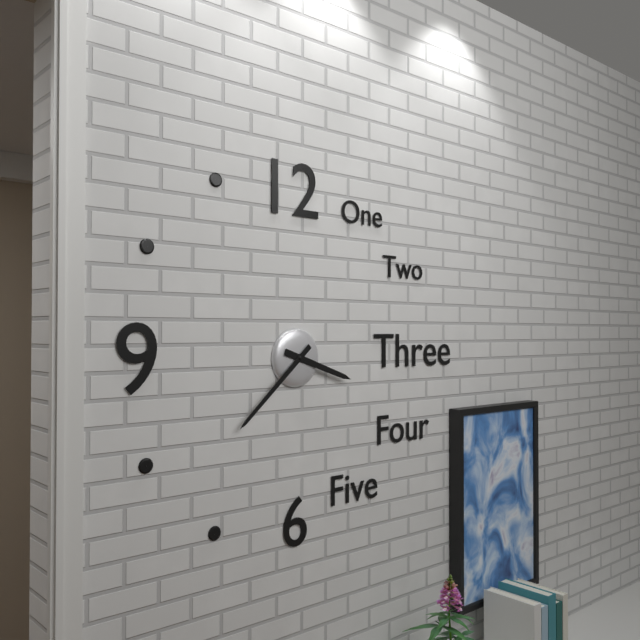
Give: 3:38
